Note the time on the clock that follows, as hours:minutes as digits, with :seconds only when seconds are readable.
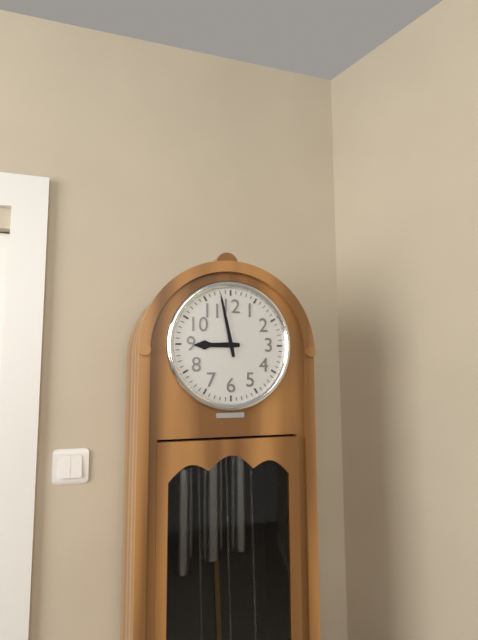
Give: 8:58
